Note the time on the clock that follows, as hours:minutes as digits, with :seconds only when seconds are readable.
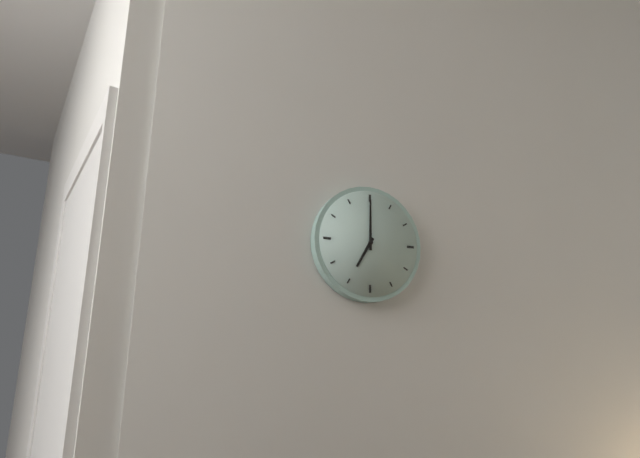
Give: 7:00
